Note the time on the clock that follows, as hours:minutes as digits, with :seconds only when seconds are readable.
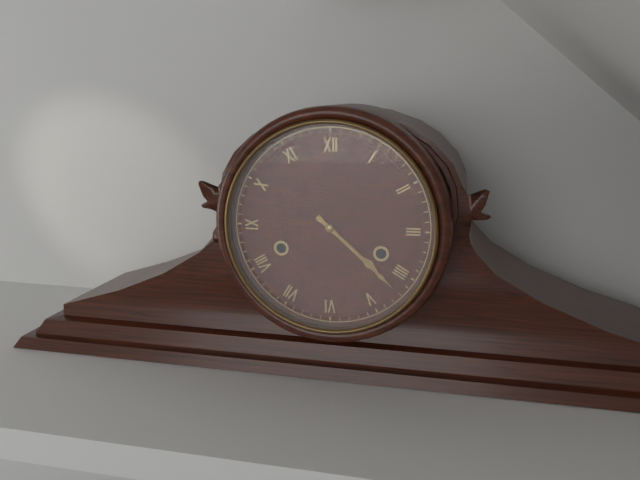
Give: 4:22
